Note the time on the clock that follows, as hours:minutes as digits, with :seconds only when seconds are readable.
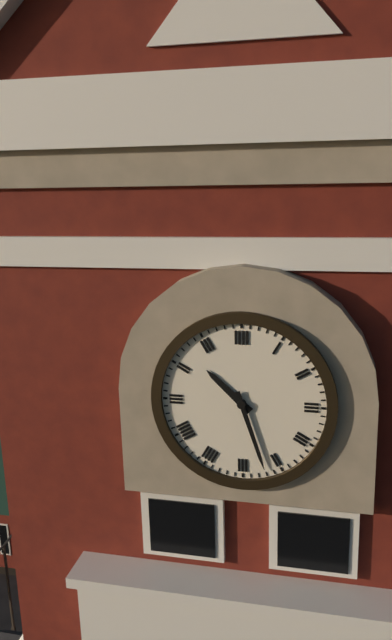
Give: 10:27
